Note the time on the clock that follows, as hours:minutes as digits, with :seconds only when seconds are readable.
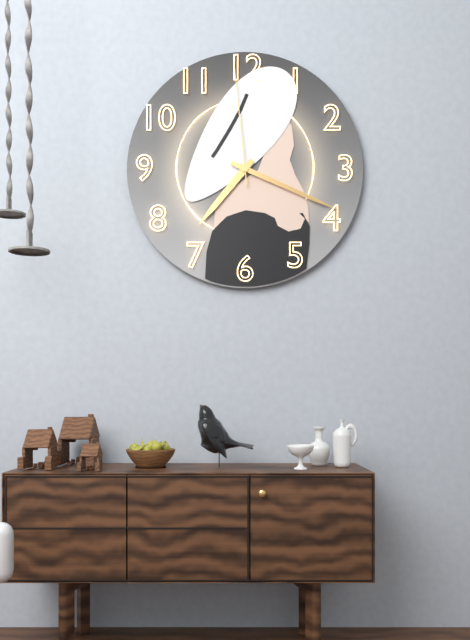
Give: 7:19:59
